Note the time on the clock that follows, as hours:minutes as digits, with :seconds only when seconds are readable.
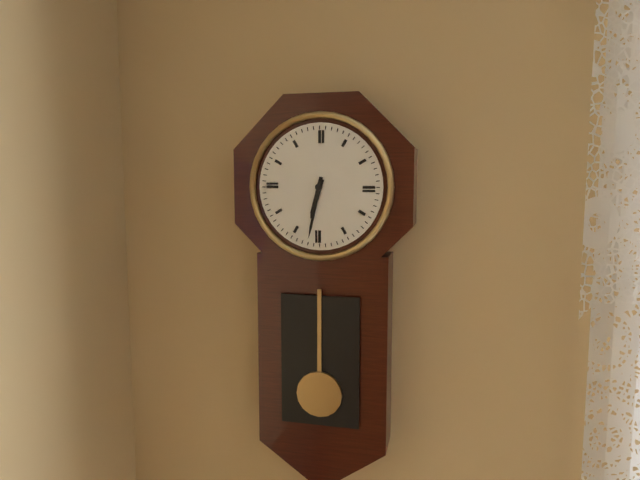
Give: 6:32
